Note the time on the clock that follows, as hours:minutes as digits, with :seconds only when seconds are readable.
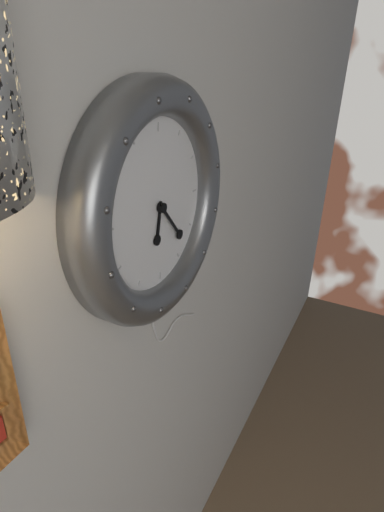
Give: 6:23
